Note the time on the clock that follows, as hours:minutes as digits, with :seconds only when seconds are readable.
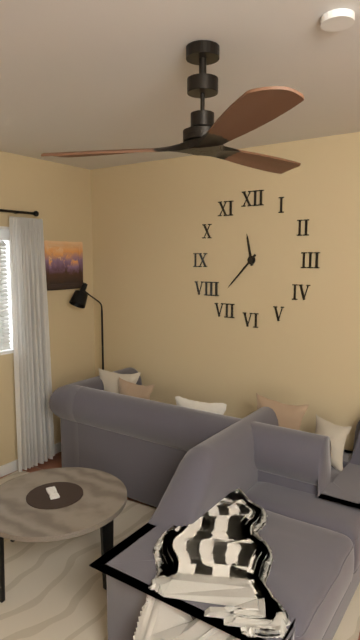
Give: 11:37
